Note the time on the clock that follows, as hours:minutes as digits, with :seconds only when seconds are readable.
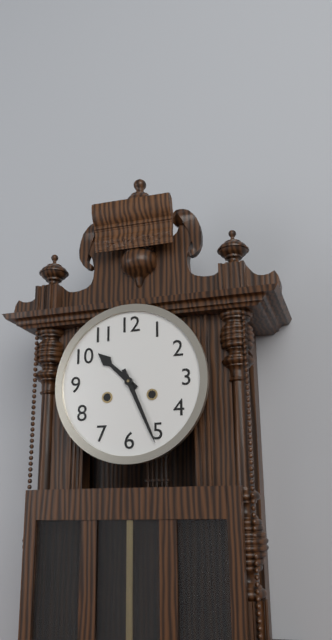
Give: 10:26
